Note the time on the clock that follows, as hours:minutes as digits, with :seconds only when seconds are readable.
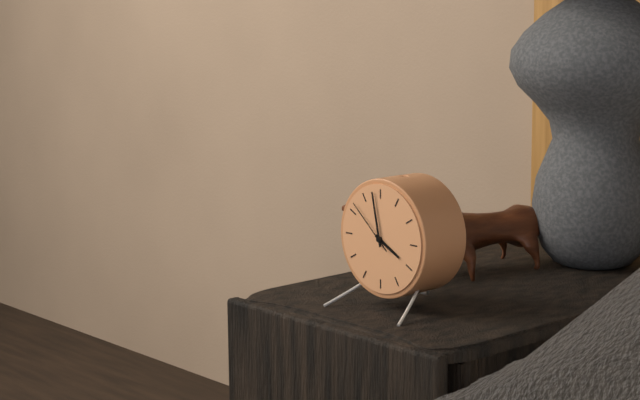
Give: 3:58:52
